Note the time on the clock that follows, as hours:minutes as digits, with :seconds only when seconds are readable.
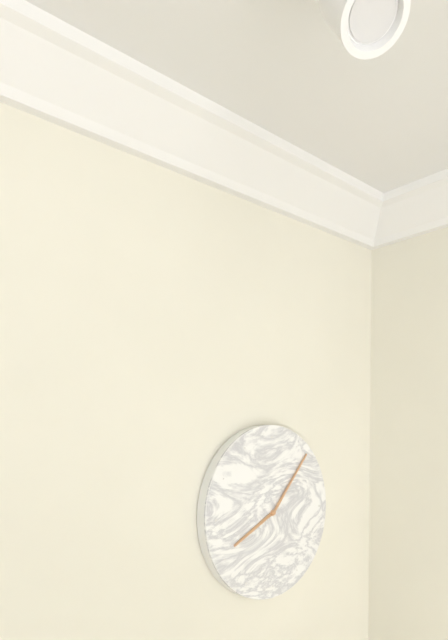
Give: 8:07
